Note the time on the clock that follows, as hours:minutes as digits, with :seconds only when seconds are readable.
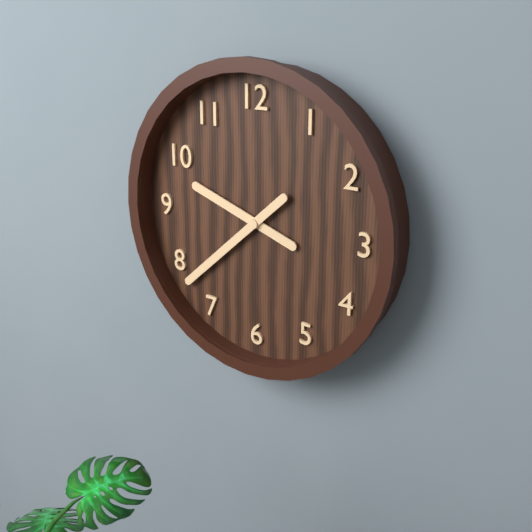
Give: 9:38
